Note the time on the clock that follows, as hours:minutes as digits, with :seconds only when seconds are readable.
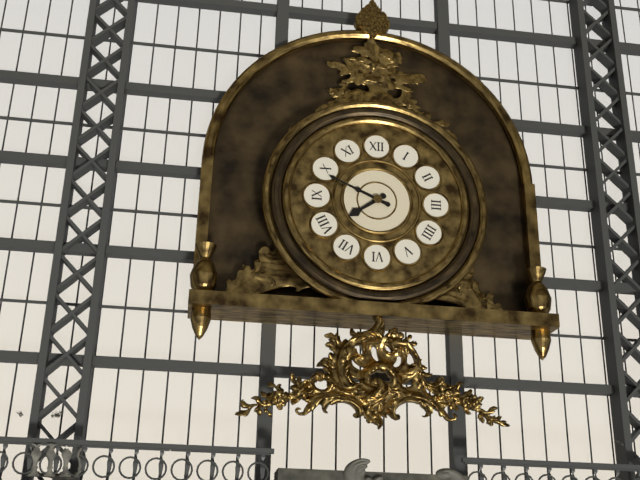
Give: 7:49
